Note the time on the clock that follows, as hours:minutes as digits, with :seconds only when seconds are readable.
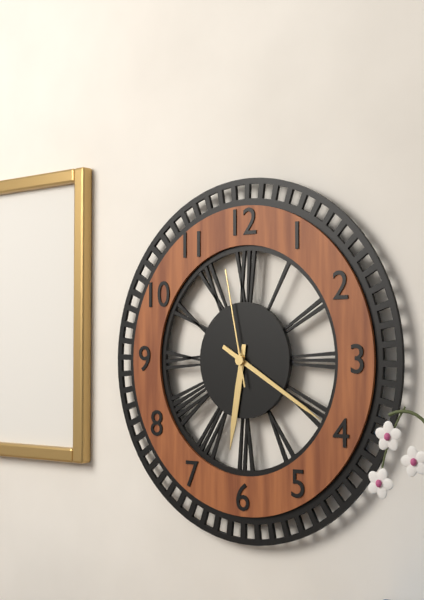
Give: 6:20:58
